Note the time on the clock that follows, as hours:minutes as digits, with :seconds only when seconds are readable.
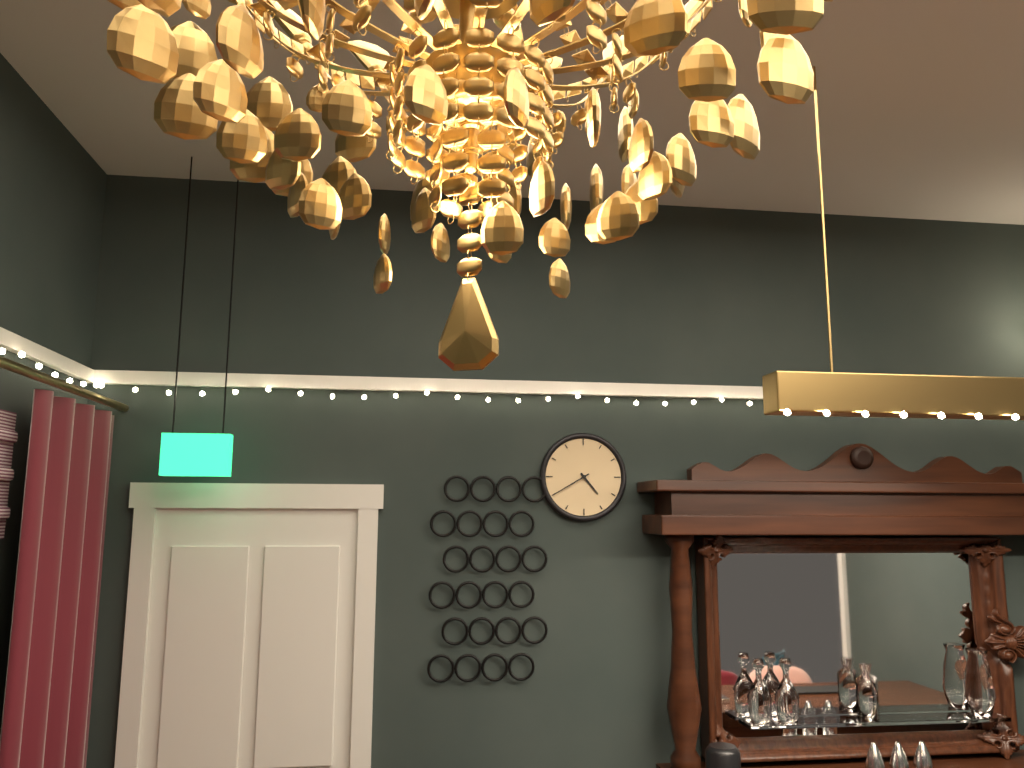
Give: 4:40
